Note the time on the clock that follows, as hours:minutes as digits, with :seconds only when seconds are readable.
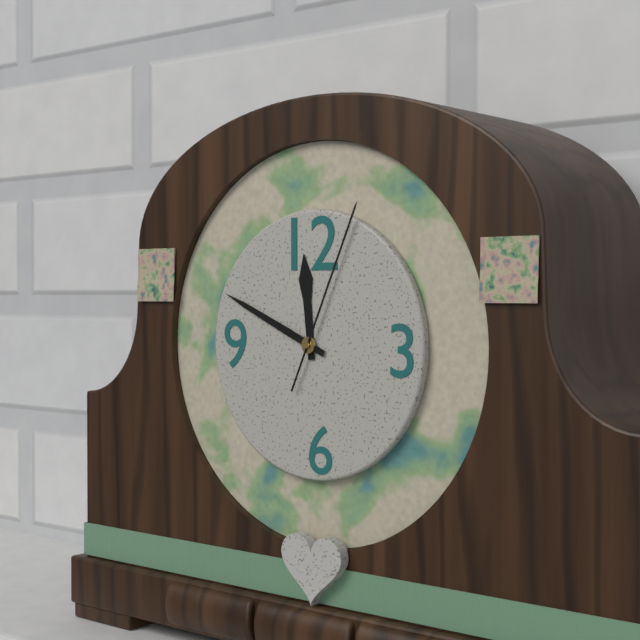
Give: 11:49:04
